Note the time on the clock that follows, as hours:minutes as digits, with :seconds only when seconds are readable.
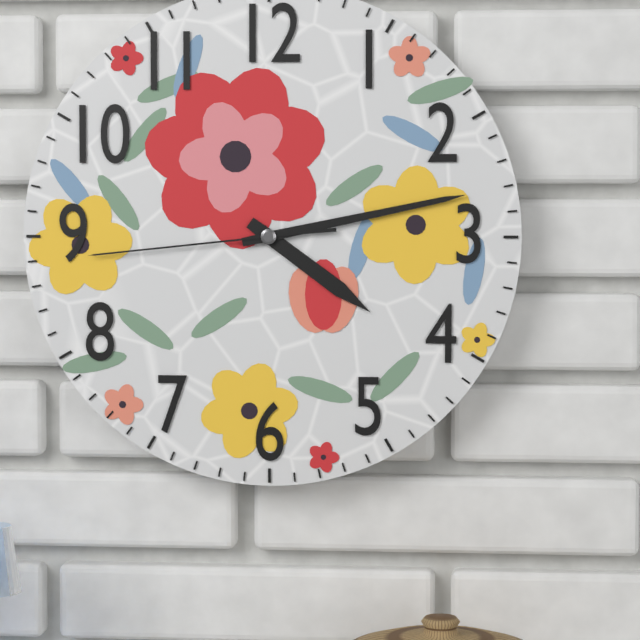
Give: 4:13:44
